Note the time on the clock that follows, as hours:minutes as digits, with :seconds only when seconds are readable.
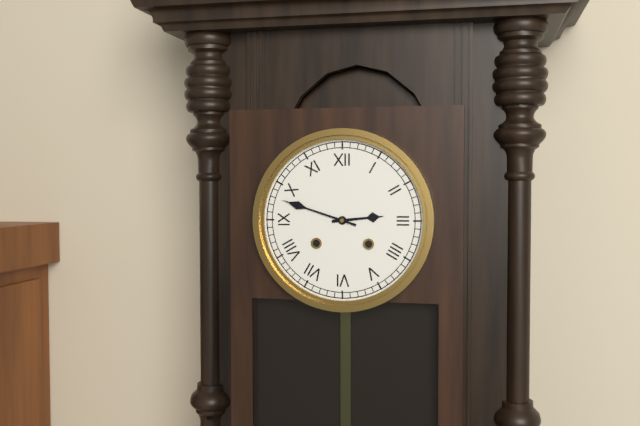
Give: 2:48
